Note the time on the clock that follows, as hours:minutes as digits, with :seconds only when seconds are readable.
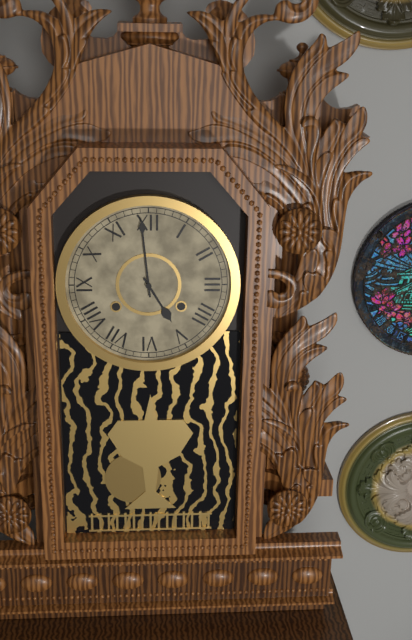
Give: 4:59
